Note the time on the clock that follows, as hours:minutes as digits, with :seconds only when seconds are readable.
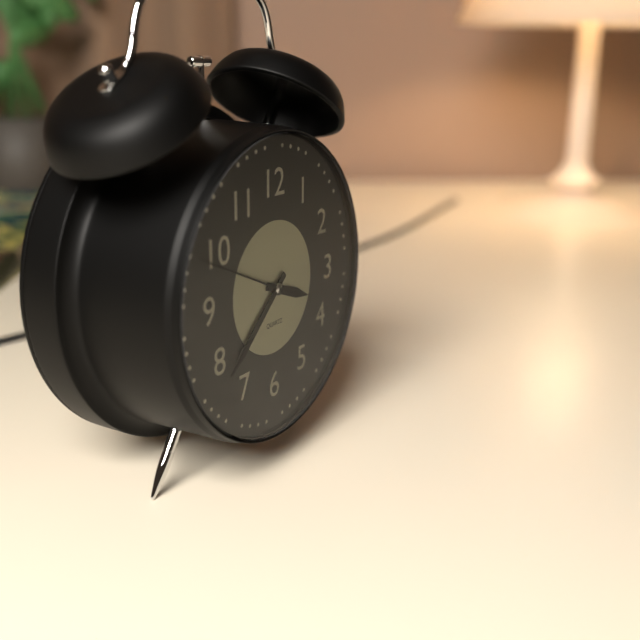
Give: 3:38:49
